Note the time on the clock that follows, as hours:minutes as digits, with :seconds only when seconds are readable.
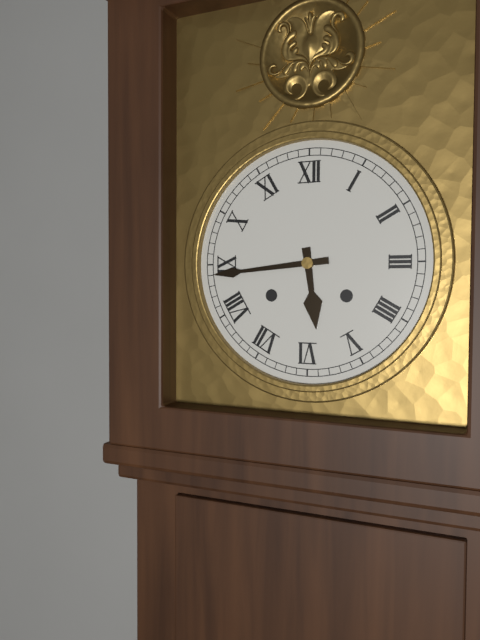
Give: 5:44
